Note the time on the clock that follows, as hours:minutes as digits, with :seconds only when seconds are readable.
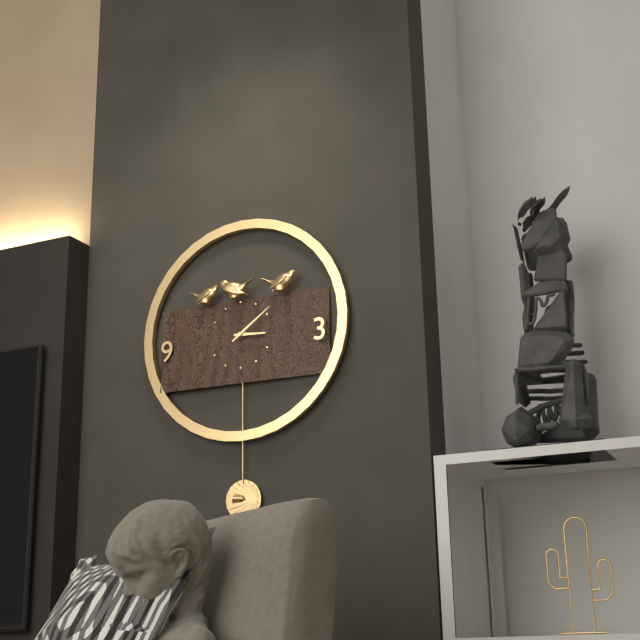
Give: 3:09
